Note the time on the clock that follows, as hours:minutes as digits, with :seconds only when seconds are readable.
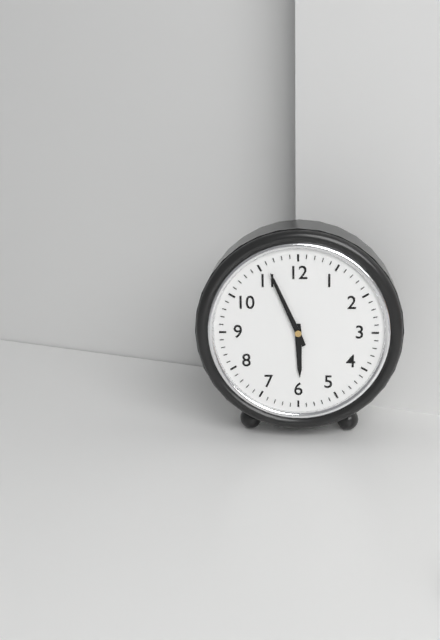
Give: 5:56
